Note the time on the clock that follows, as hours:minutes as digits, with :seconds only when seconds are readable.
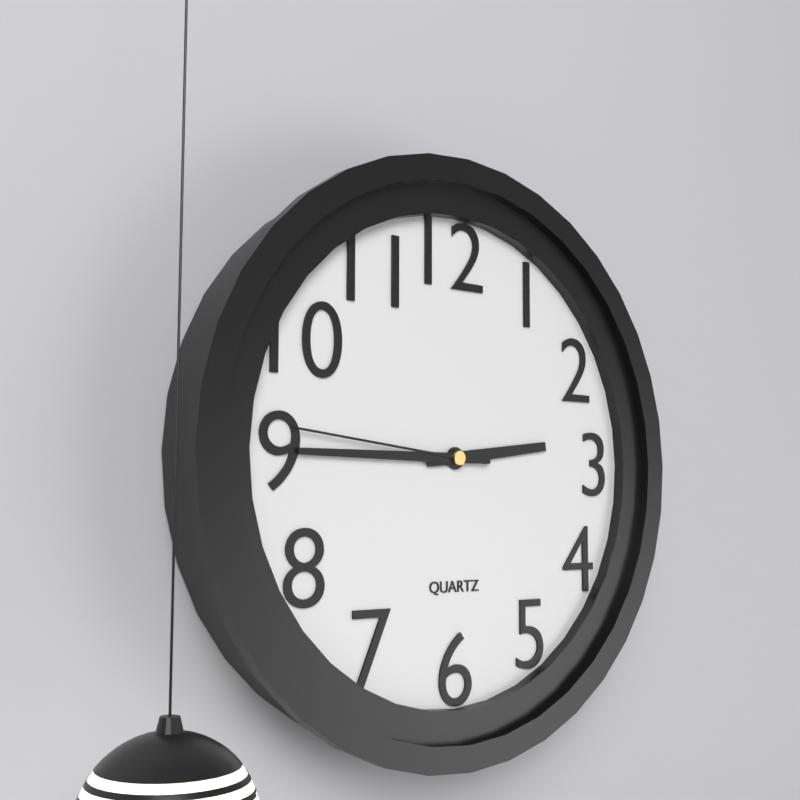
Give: 2:45:46
